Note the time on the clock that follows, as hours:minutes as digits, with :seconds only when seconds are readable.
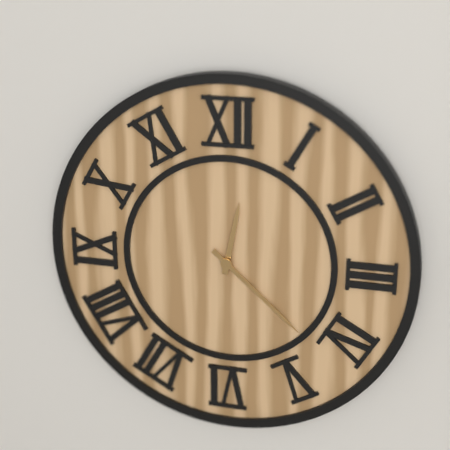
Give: 12:22
